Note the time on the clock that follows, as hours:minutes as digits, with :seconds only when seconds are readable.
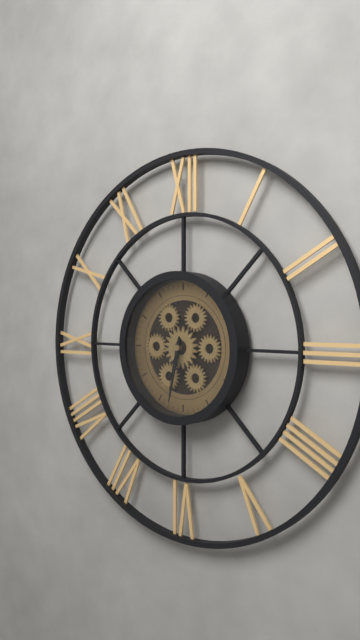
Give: 6:32
